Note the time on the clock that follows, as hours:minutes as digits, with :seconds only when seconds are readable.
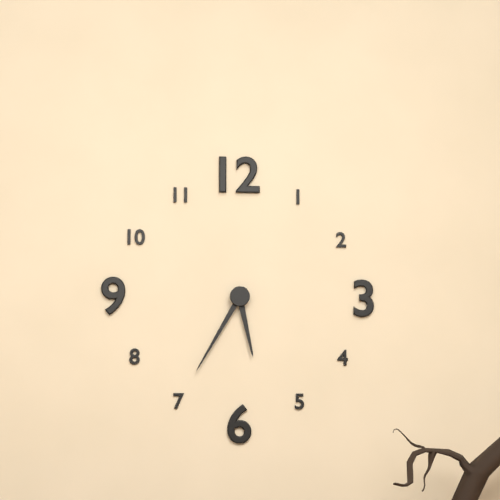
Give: 5:35
